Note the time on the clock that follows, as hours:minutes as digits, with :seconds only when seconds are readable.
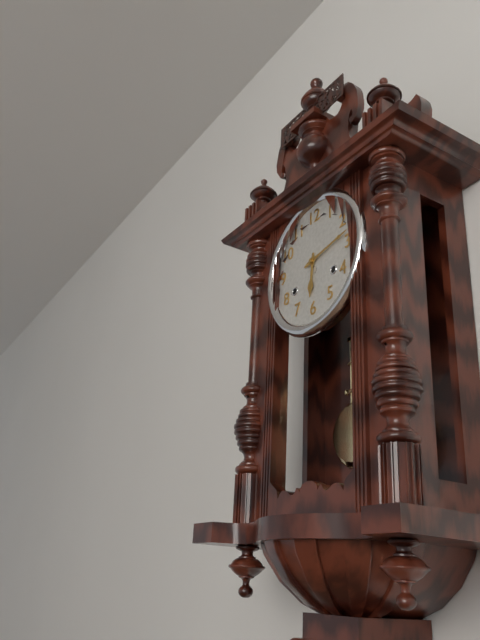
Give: 6:13
